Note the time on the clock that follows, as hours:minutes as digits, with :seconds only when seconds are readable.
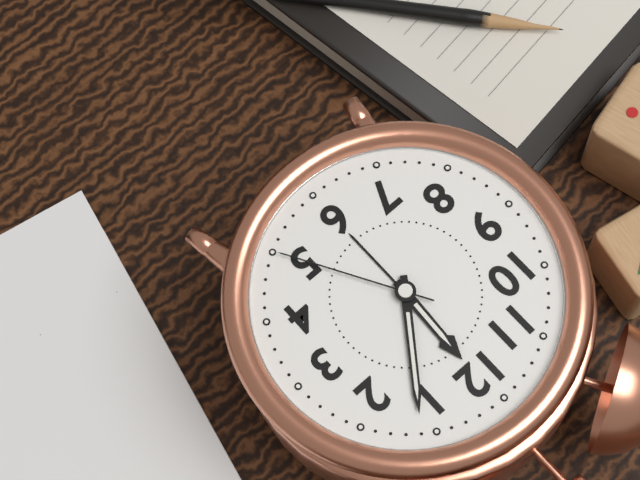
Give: 12:06:25
